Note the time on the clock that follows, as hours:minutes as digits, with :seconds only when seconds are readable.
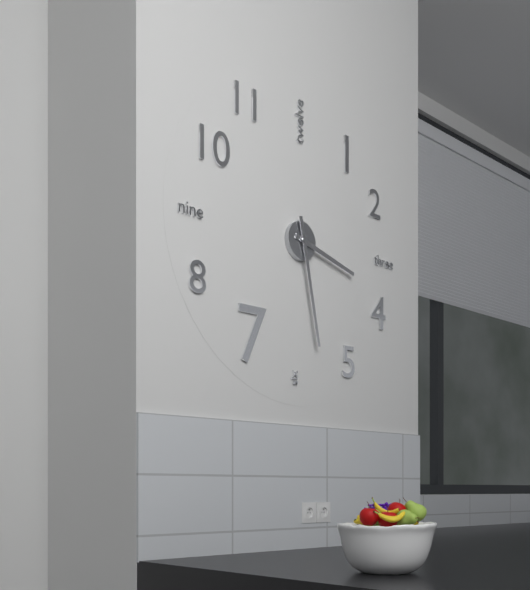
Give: 3:28
